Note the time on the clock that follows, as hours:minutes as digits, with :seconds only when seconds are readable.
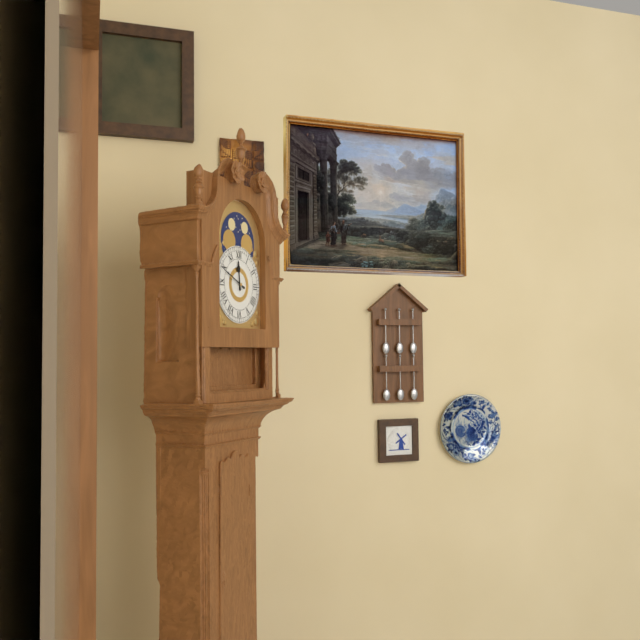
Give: 11:49
